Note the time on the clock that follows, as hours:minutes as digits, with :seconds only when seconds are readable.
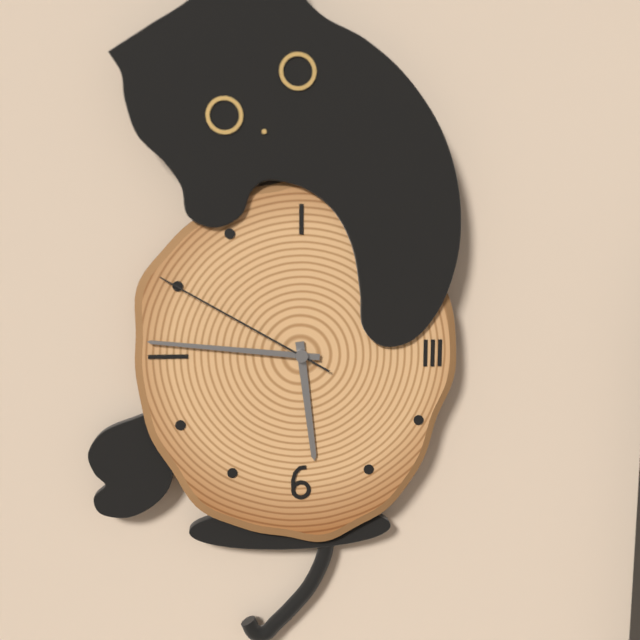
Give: 5:46:50
